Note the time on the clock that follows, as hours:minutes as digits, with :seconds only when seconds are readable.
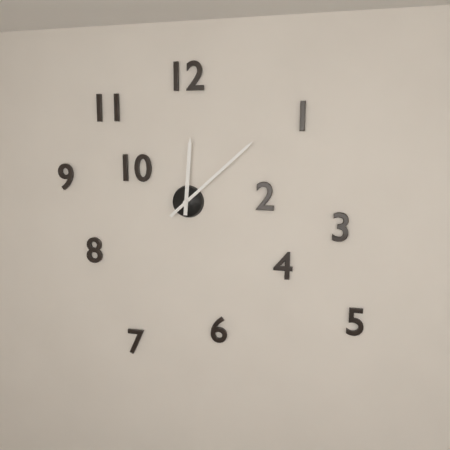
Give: 12:08
